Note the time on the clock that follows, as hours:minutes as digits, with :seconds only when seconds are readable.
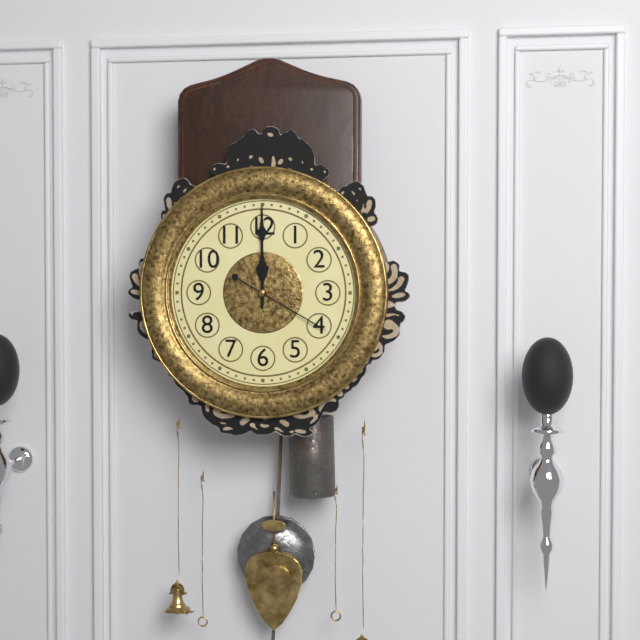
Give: 12:00:20
